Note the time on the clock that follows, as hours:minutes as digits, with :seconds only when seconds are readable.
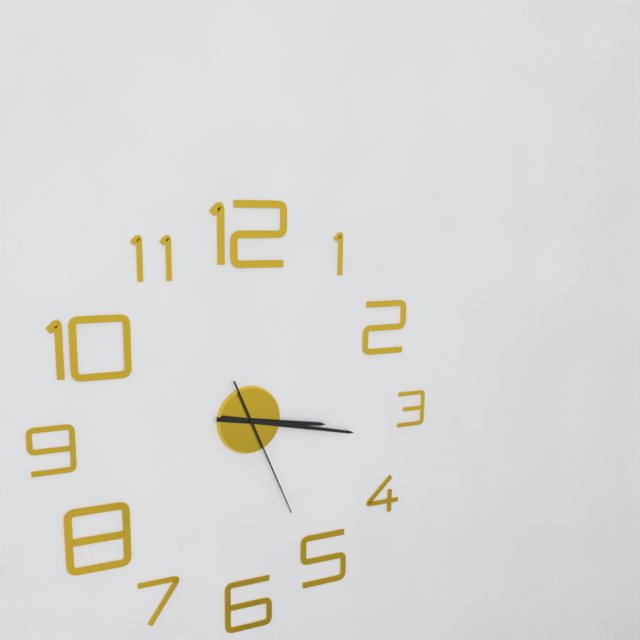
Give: 3:17:26
